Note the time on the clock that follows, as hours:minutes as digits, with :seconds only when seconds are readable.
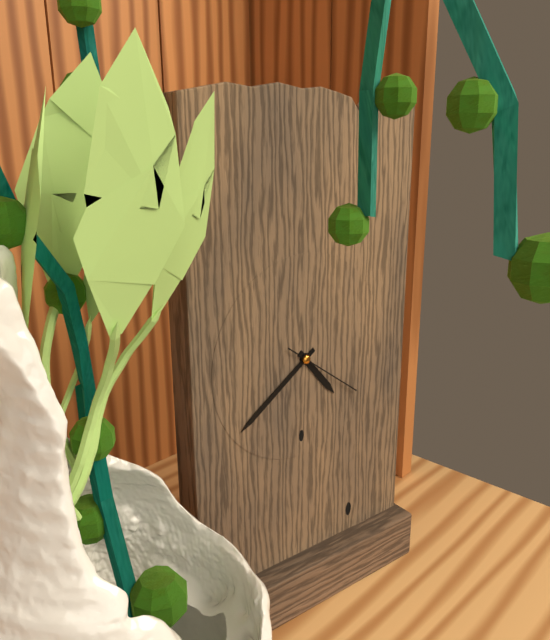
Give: 4:39:21
